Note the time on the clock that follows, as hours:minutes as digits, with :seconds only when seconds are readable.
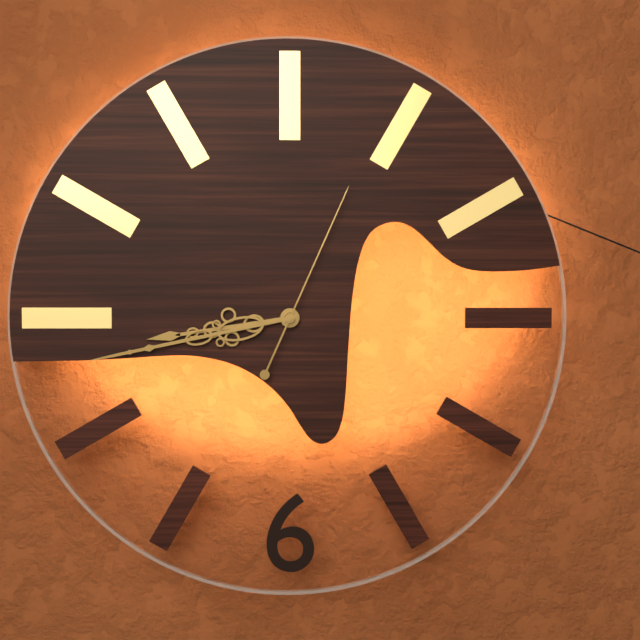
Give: 8:43:04
